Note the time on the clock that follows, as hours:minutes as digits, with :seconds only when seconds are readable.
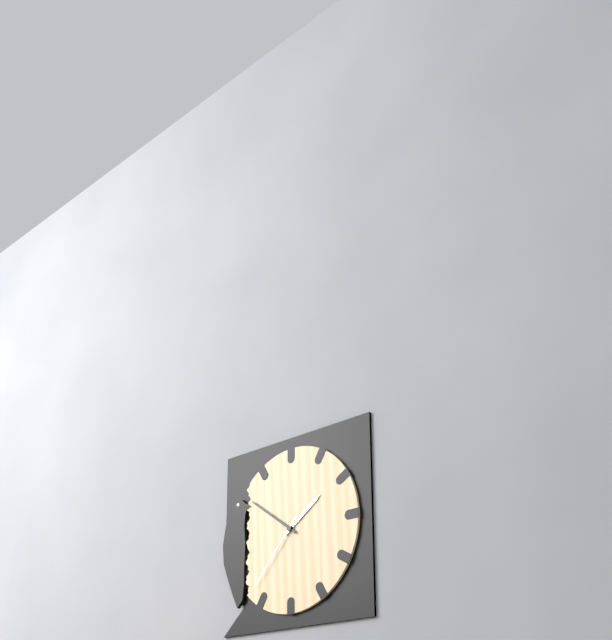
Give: 1:51:37
